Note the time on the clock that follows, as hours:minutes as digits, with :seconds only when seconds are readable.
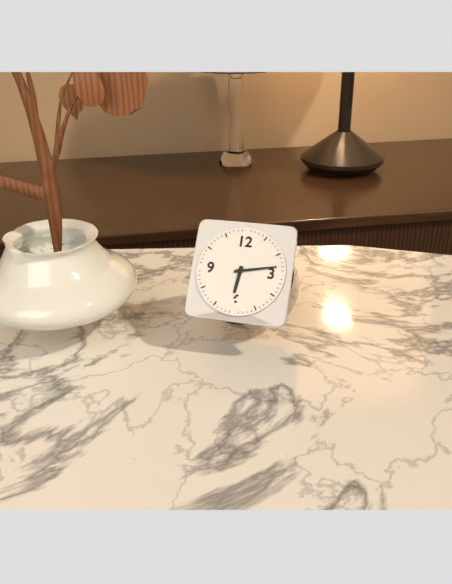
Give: 6:13
